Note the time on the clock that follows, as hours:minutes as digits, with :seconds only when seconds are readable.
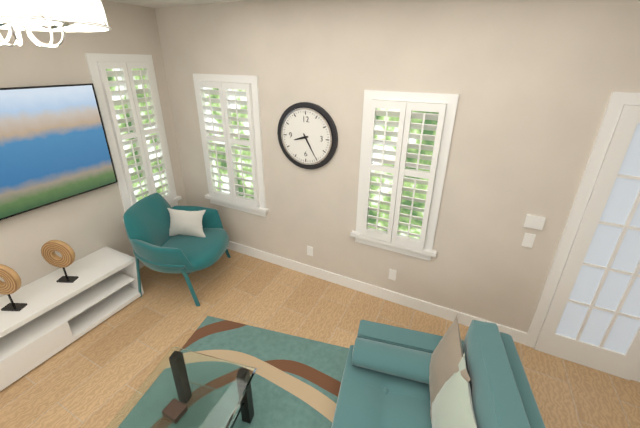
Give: 8:25
